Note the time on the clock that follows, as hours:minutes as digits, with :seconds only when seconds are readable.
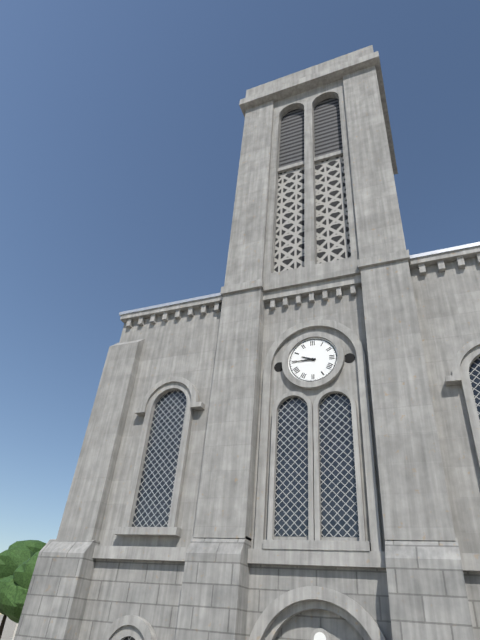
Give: 9:45
